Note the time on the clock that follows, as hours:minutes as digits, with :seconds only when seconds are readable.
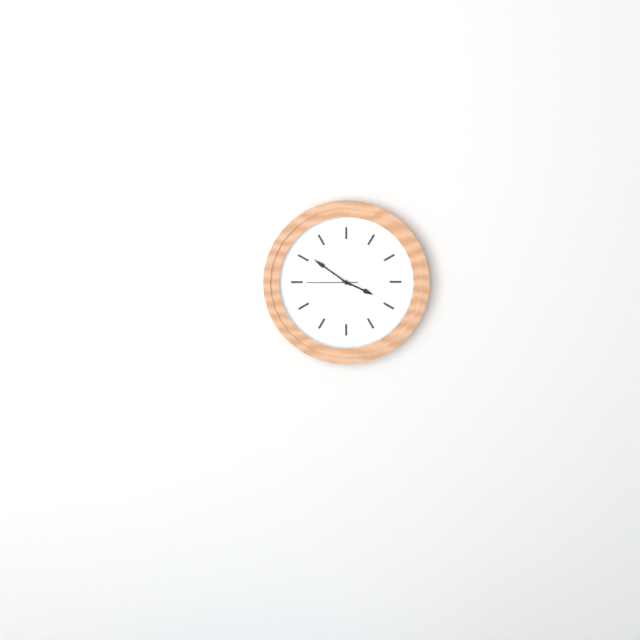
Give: 3:51
